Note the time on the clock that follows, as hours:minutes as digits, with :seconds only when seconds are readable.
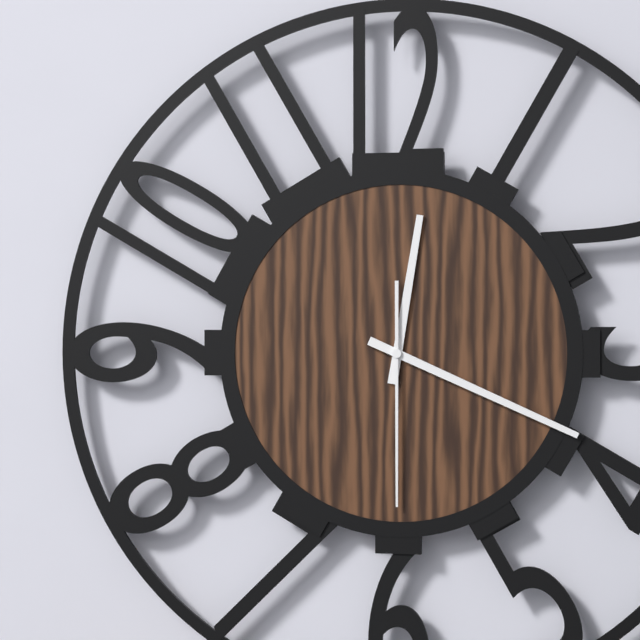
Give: 12:19:30
